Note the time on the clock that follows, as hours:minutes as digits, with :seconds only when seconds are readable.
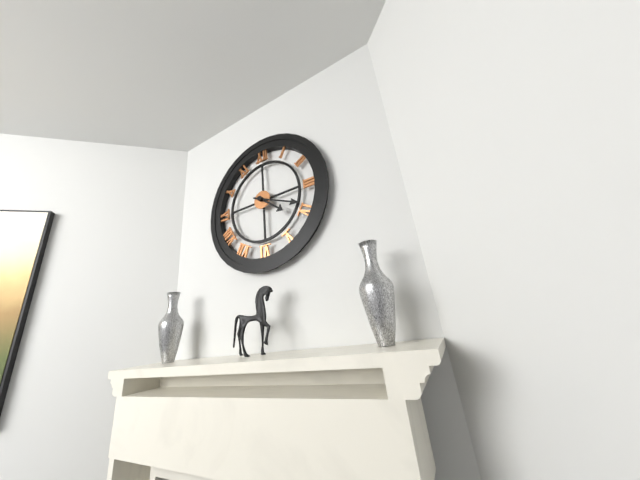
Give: 4:19
